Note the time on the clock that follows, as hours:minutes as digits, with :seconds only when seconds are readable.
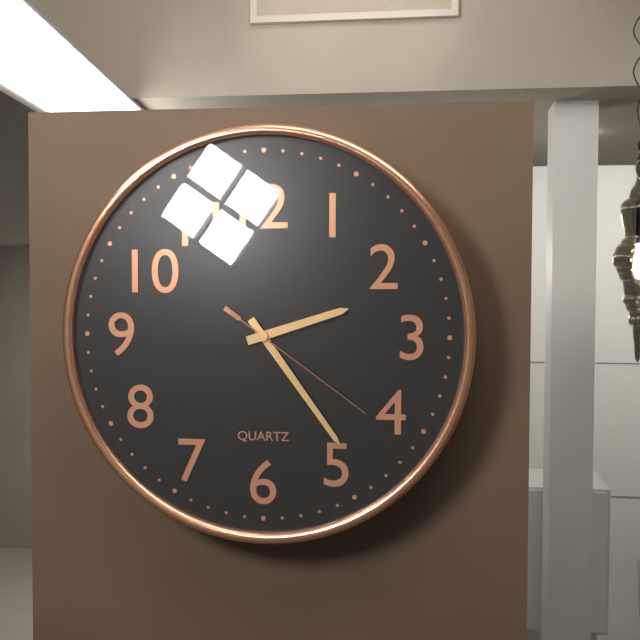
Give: 2:24:21
